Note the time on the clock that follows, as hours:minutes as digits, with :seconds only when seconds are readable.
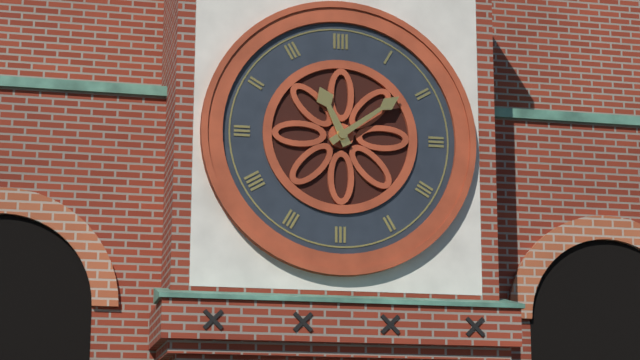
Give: 11:09
